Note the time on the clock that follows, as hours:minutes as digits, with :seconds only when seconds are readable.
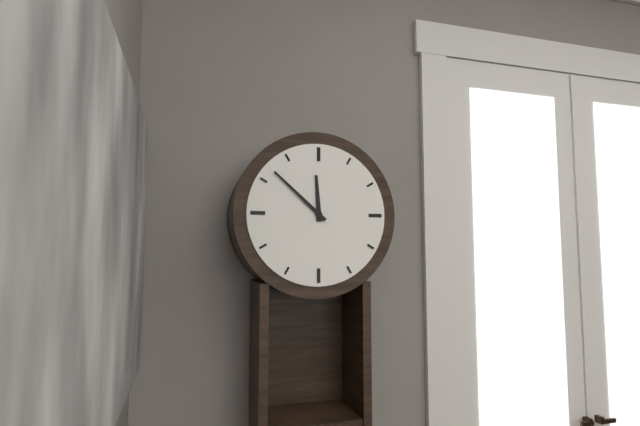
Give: 11:52
